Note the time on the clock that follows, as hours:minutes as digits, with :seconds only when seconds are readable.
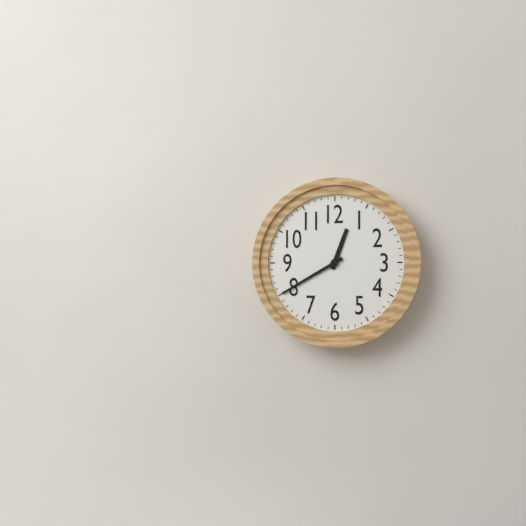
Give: 12:40
